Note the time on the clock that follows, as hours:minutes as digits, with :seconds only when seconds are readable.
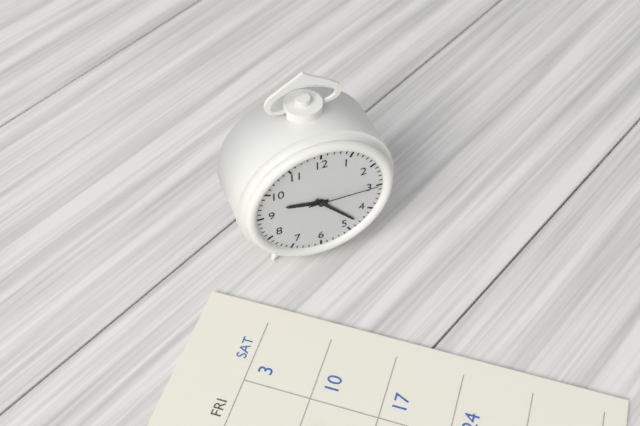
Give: 9:23:15
